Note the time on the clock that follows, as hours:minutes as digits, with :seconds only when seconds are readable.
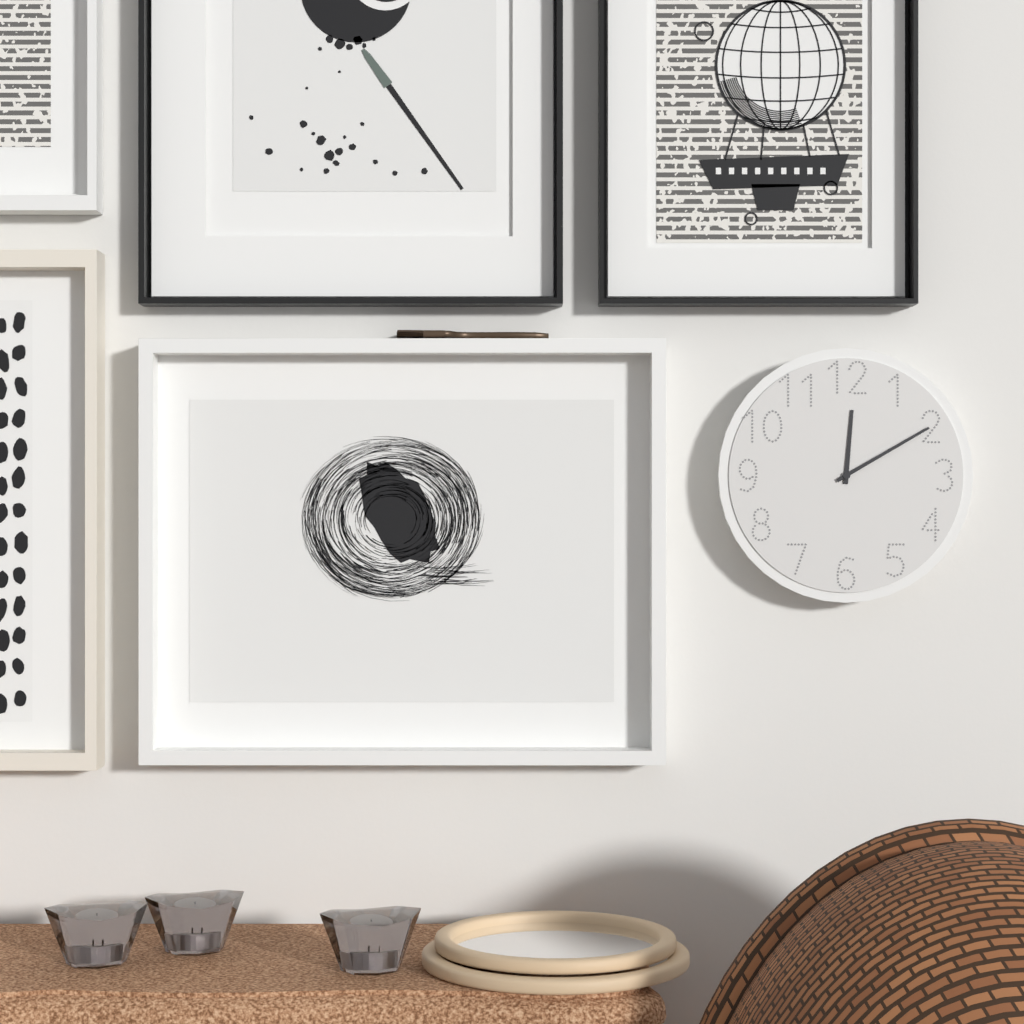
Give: 12:10
